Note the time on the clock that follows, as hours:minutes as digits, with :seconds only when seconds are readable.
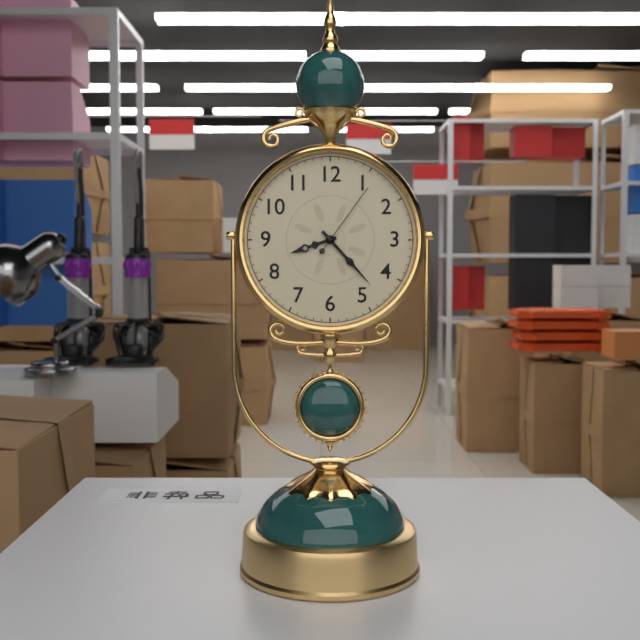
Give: 8:23:06
